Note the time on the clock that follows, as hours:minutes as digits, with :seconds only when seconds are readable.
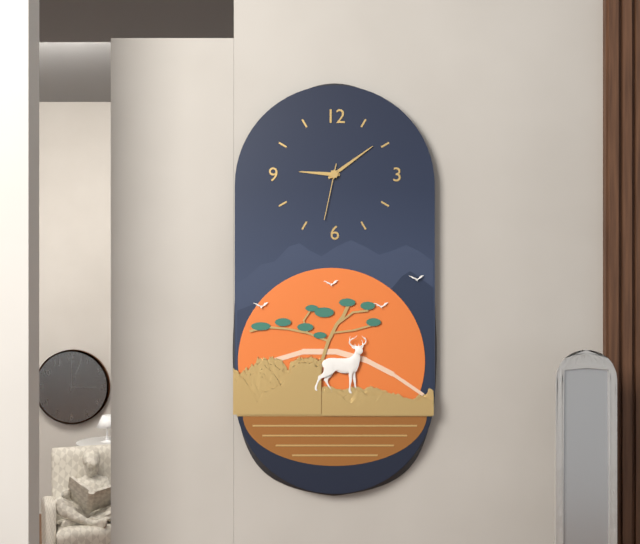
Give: 9:09:32
